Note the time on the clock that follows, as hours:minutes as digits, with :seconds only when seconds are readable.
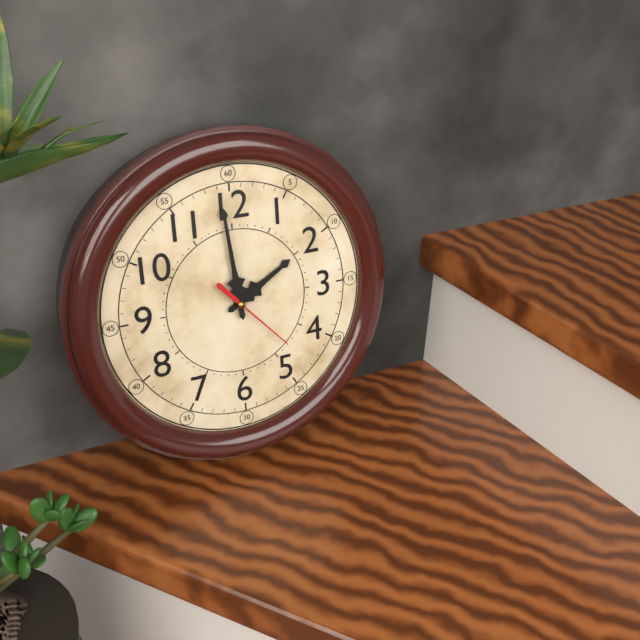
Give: 1:59:23
